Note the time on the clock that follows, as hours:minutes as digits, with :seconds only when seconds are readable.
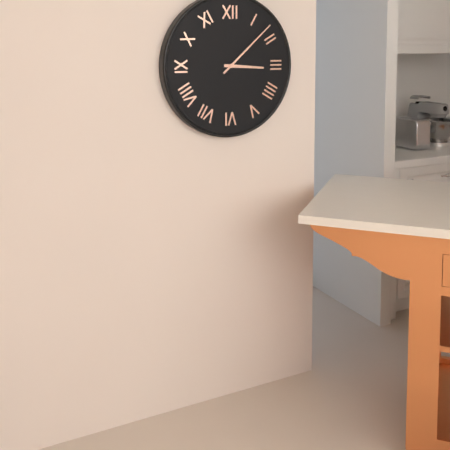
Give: 3:08
